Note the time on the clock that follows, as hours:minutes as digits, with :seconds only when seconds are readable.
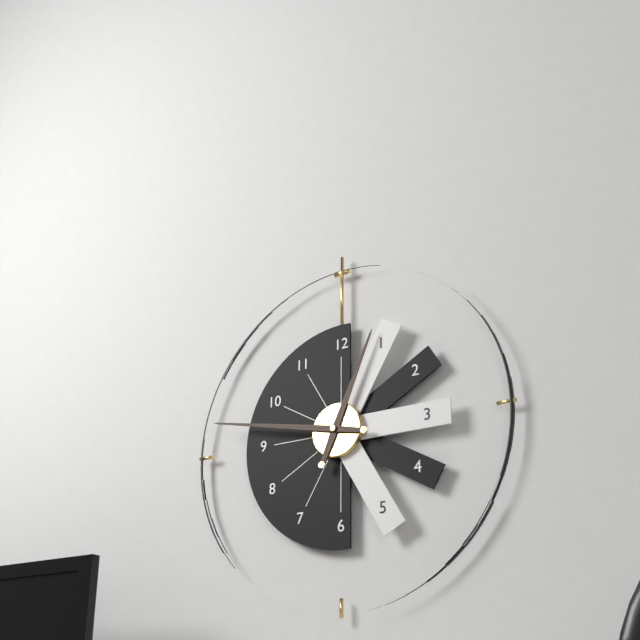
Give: 12:47
